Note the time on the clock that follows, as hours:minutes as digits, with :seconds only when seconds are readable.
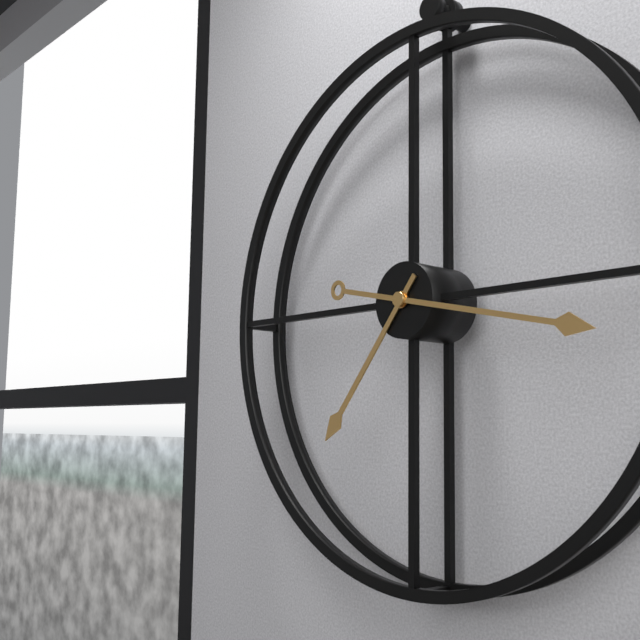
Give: 7:17
